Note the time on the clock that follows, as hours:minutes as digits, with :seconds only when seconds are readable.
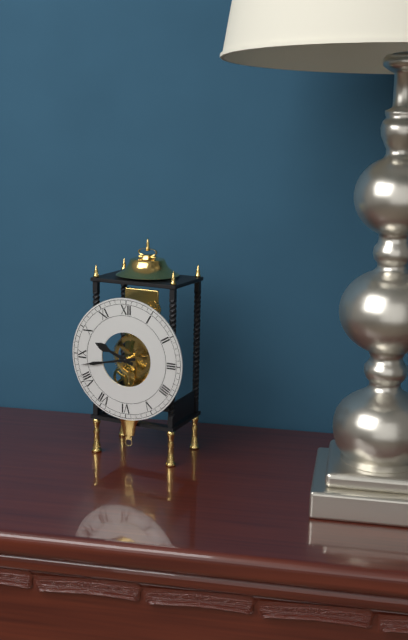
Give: 9:43
